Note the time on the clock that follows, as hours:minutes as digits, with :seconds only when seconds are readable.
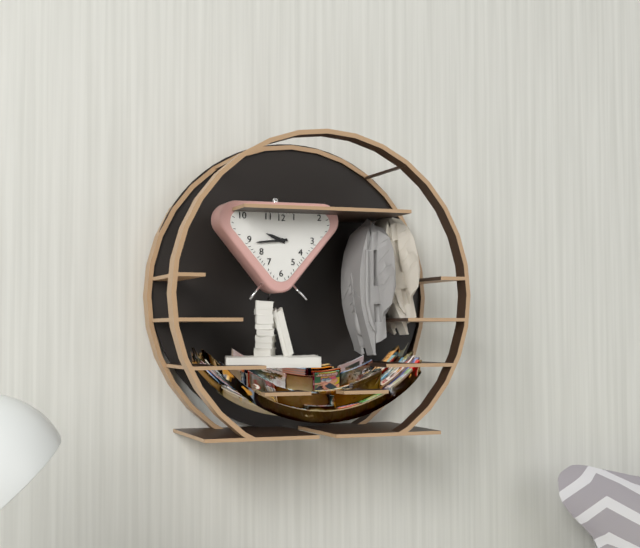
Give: 9:44
